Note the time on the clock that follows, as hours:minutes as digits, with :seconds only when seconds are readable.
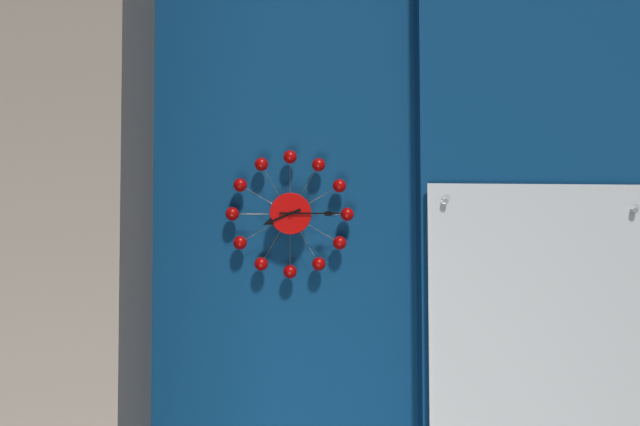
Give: 8:15
